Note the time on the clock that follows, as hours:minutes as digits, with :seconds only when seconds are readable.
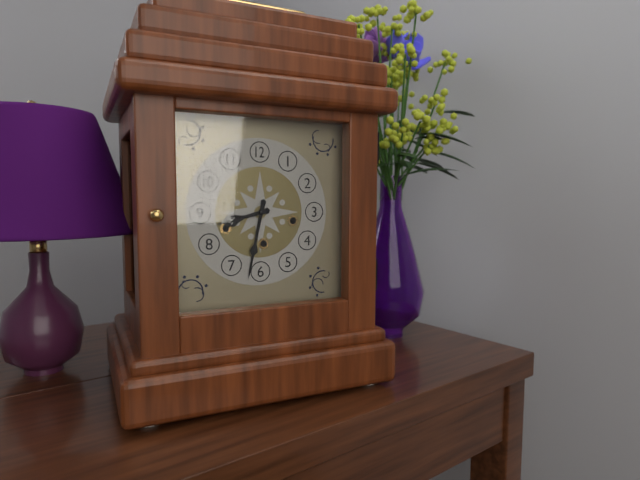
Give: 8:32
